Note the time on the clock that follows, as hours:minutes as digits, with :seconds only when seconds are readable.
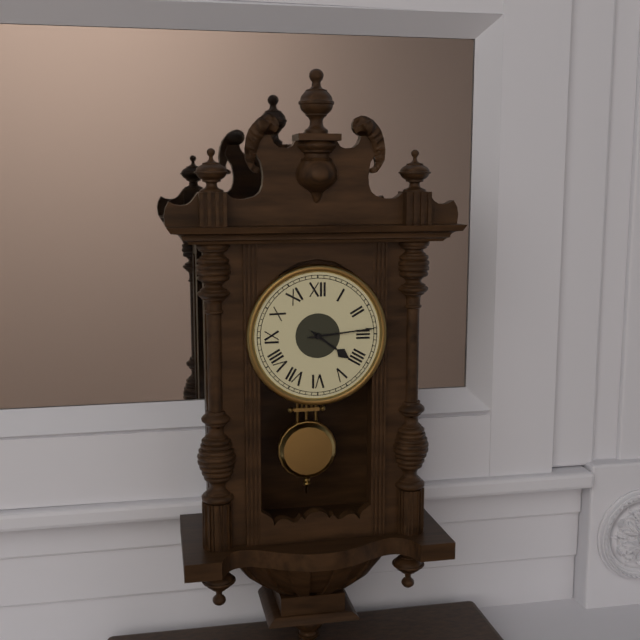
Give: 4:14
